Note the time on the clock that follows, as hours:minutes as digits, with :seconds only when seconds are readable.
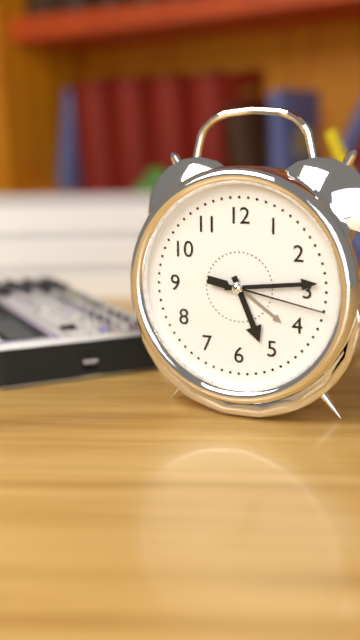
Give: 5:14:17
